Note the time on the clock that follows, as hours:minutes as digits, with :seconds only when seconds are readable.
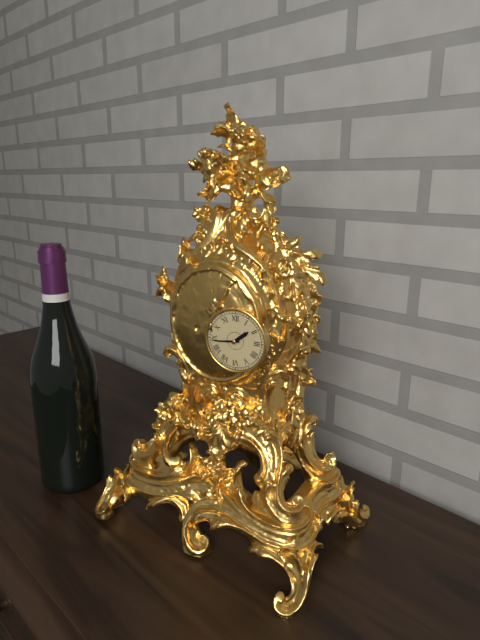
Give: 1:44
